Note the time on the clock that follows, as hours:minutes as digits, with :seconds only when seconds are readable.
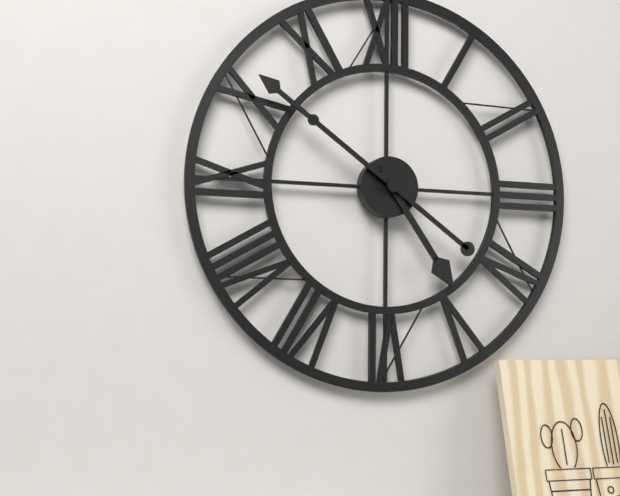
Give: 4:51
